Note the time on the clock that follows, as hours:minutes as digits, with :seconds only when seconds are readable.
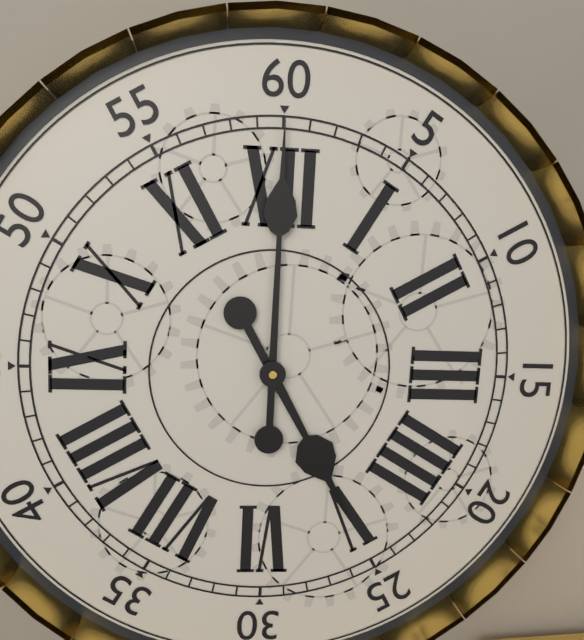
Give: 5:00
